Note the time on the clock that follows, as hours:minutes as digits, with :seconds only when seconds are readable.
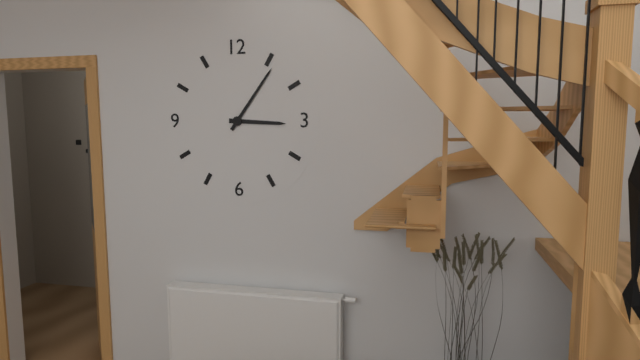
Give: 3:06
